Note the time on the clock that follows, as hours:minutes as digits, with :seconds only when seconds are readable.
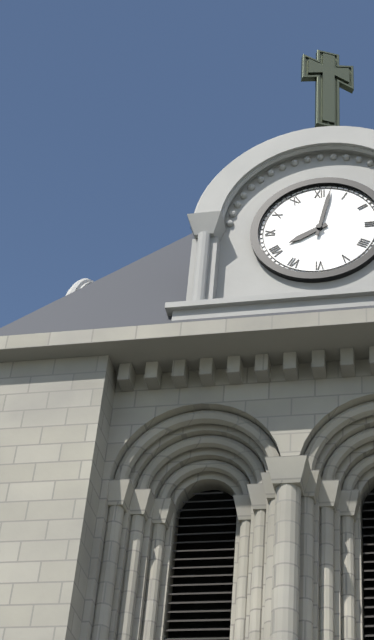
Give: 8:02
